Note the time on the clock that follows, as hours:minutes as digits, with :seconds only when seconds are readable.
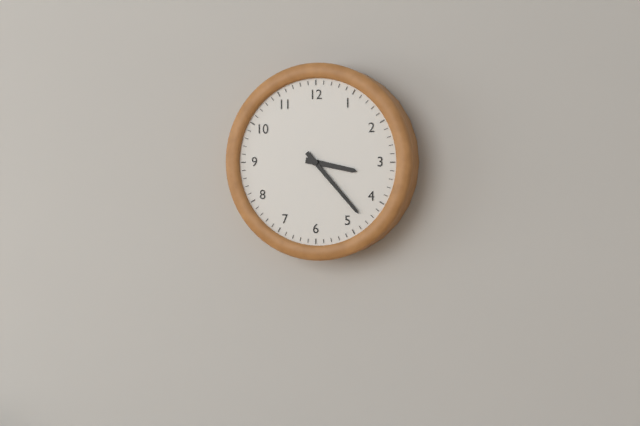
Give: 3:23
